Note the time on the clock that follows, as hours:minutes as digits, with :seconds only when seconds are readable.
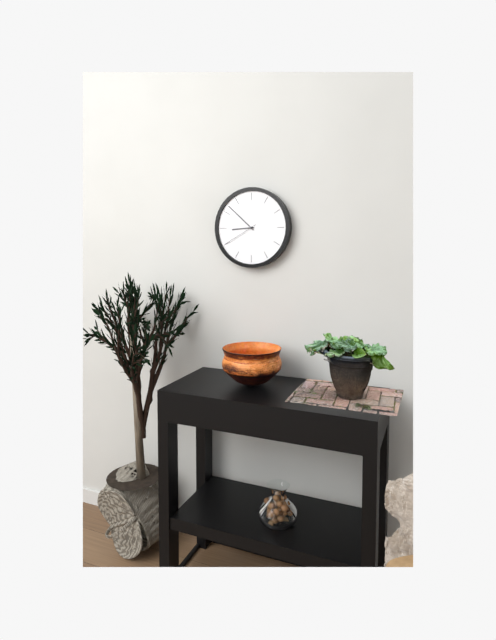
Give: 8:52
